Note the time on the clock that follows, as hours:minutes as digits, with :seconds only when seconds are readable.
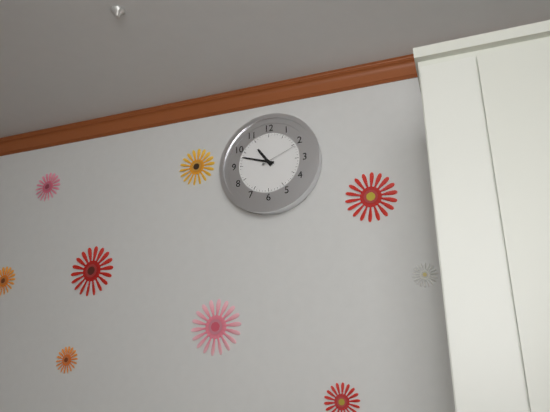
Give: 10:48
